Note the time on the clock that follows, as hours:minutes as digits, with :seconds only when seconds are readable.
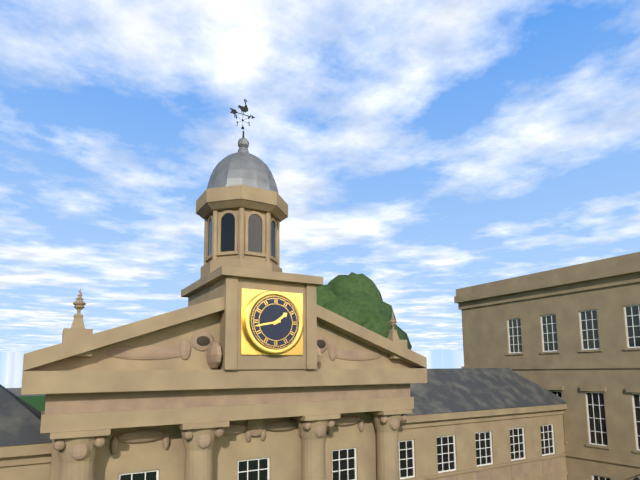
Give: 1:43
